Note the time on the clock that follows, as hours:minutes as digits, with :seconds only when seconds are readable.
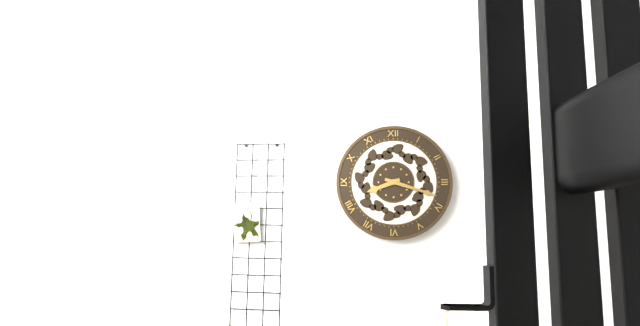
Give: 8:18
